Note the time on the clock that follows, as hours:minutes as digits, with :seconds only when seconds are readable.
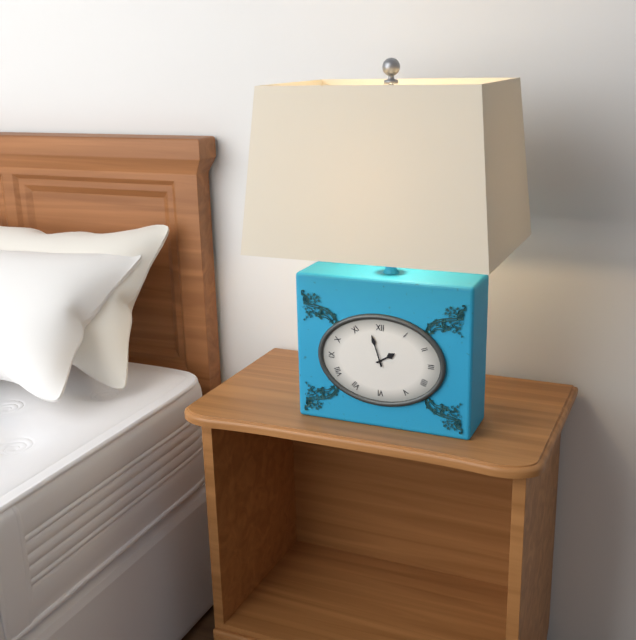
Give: 1:57
